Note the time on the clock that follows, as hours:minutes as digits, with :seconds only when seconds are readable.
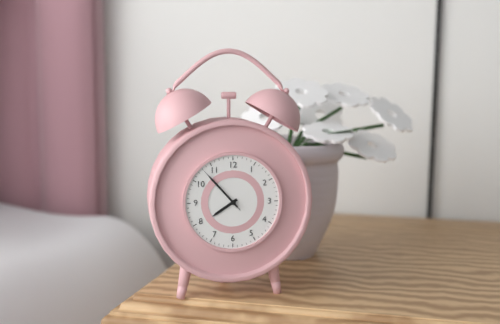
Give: 7:53:53
